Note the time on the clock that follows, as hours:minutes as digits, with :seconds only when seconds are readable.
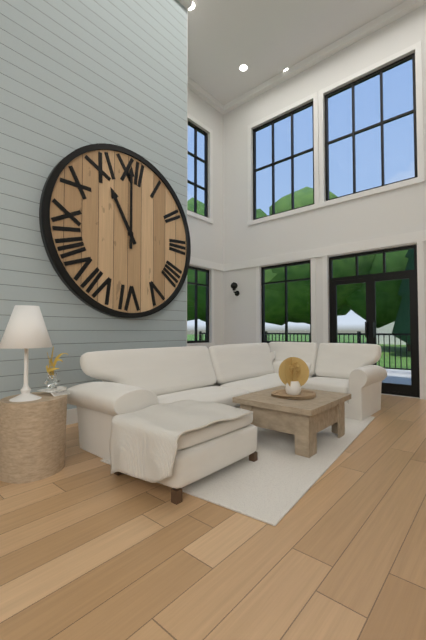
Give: 11:00
